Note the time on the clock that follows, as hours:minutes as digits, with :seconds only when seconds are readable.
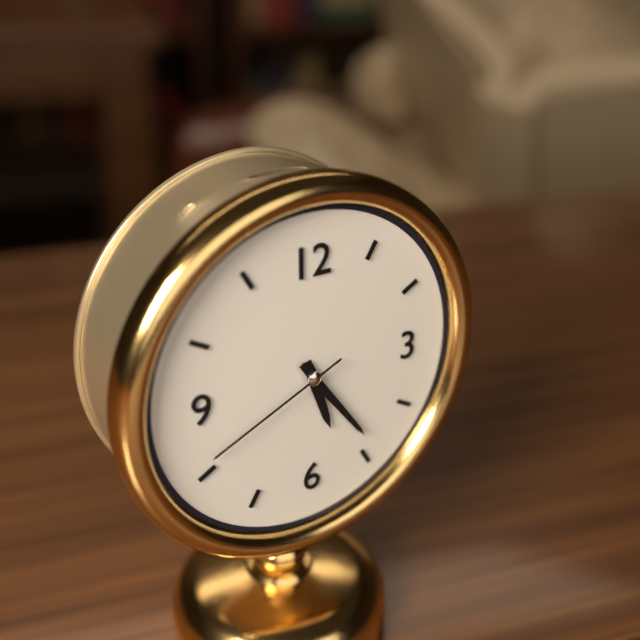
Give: 5:24:41
